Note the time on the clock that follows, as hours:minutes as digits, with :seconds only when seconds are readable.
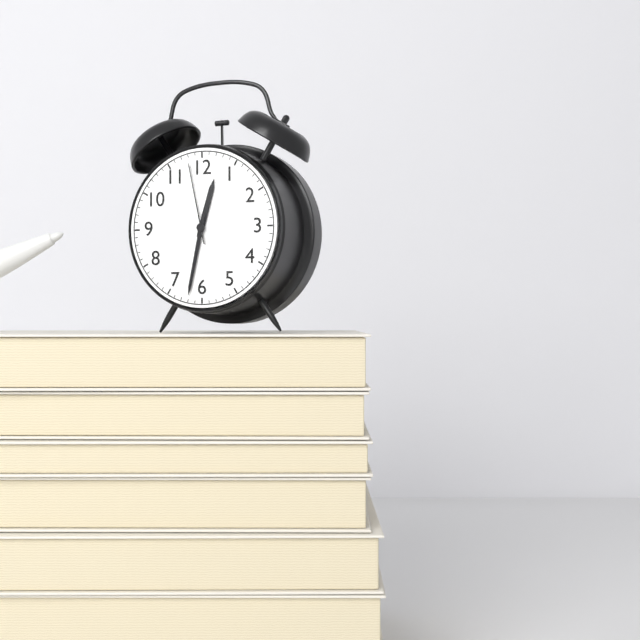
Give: 12:32:58
